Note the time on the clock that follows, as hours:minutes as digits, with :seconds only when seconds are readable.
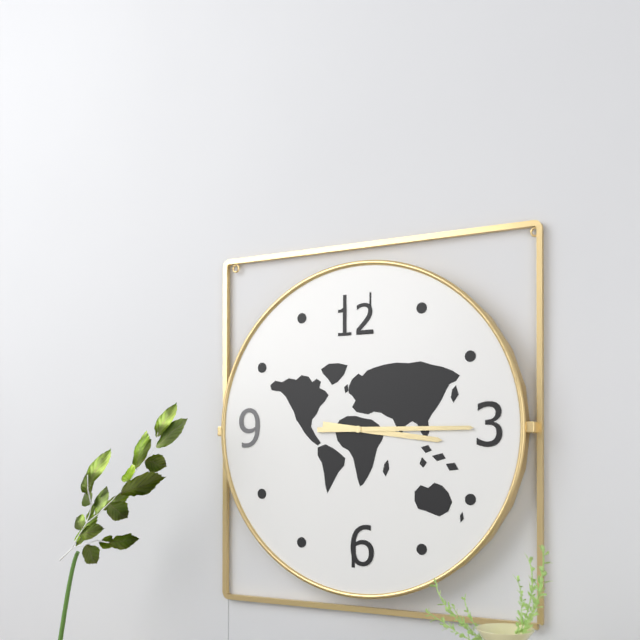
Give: 3:15
